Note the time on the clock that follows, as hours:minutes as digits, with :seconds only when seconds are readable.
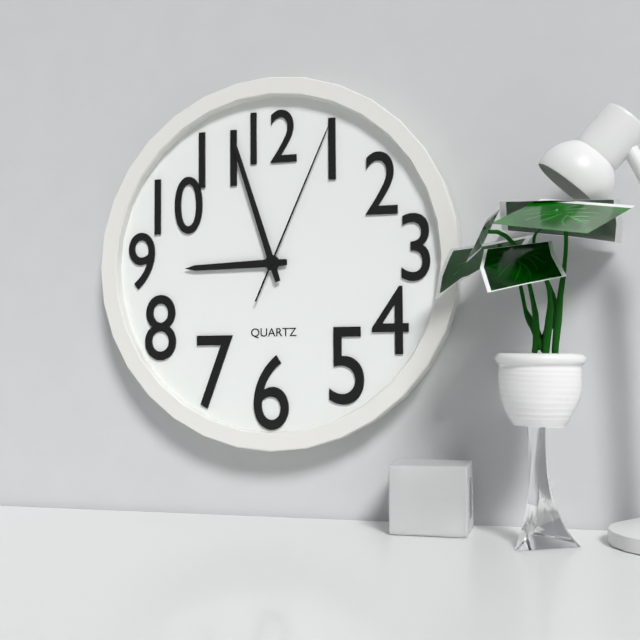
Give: 8:57:04
